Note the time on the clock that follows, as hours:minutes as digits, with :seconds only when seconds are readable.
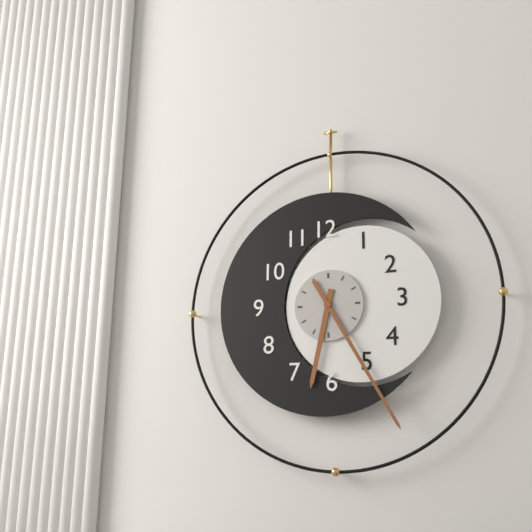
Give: 6:25
